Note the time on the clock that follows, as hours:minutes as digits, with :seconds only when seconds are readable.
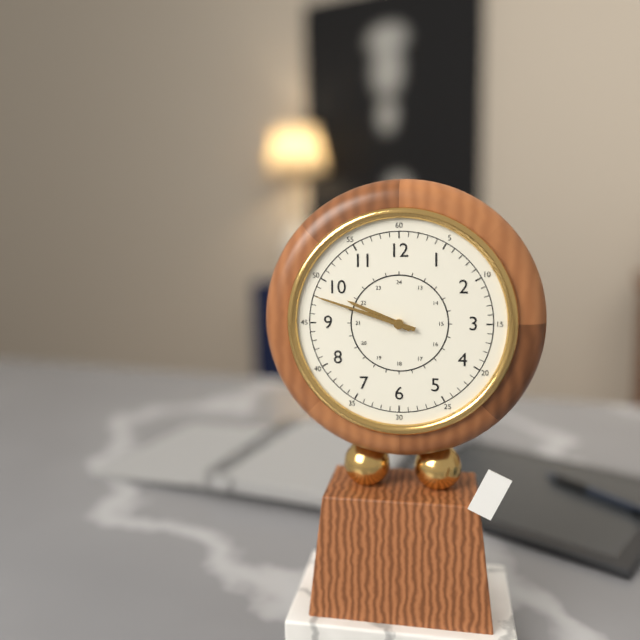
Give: 9:48
